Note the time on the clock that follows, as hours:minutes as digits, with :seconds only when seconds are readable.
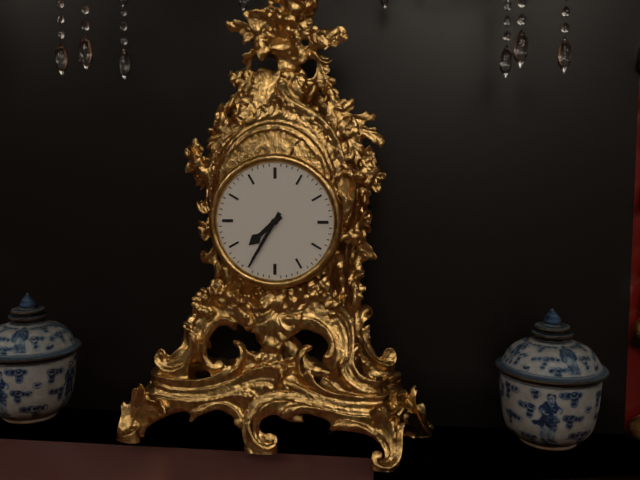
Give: 7:35
